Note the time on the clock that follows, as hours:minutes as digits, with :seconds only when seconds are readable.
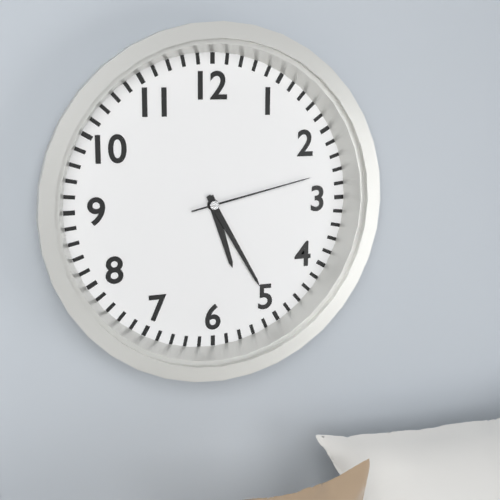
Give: 5:25:13
